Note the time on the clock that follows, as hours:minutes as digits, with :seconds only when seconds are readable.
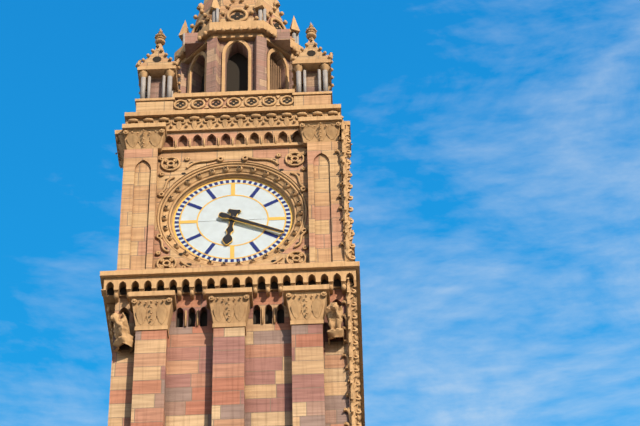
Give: 6:19
